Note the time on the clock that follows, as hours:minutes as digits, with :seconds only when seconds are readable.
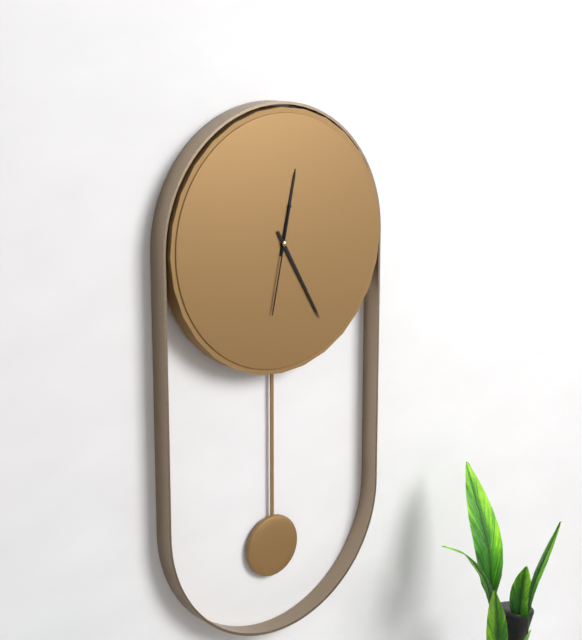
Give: 12:25:32
